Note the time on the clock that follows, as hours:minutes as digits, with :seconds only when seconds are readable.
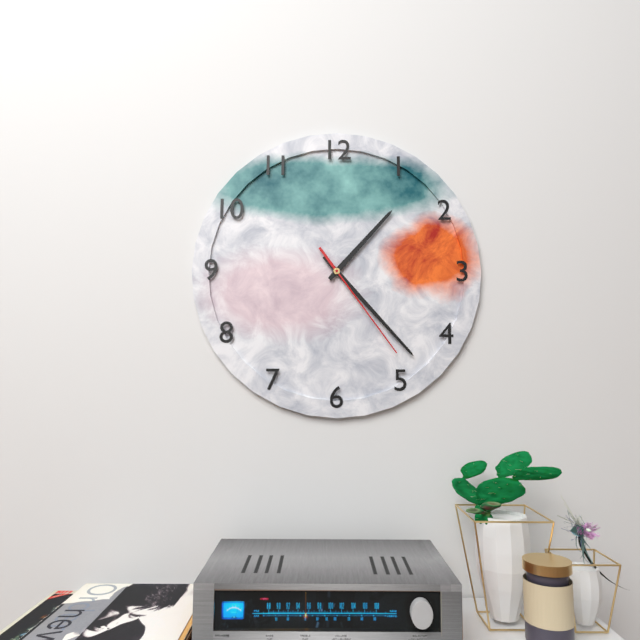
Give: 1:23:24
